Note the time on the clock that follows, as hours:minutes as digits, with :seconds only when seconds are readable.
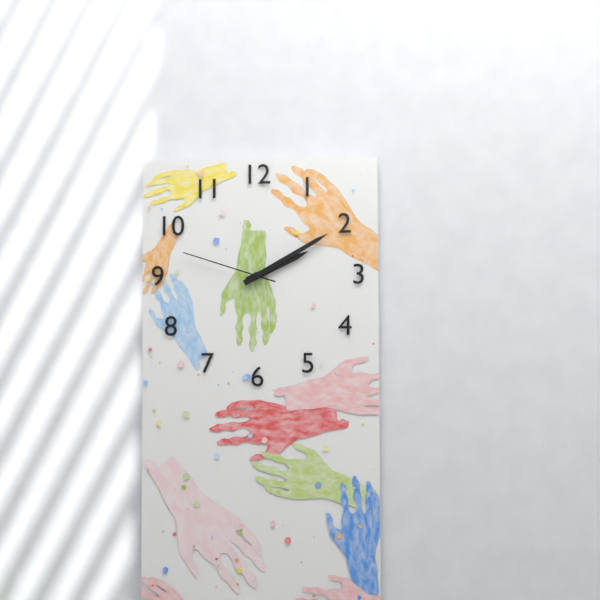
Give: 2:10:48
